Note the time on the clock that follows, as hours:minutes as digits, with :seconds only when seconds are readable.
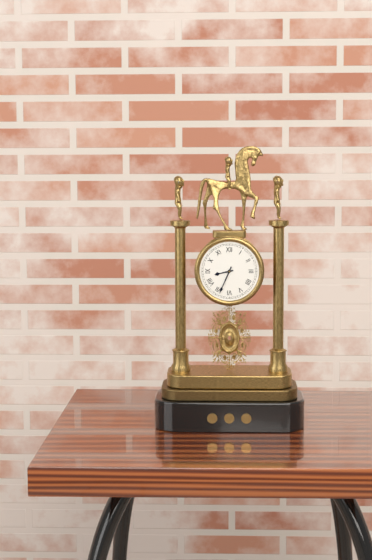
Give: 8:34
